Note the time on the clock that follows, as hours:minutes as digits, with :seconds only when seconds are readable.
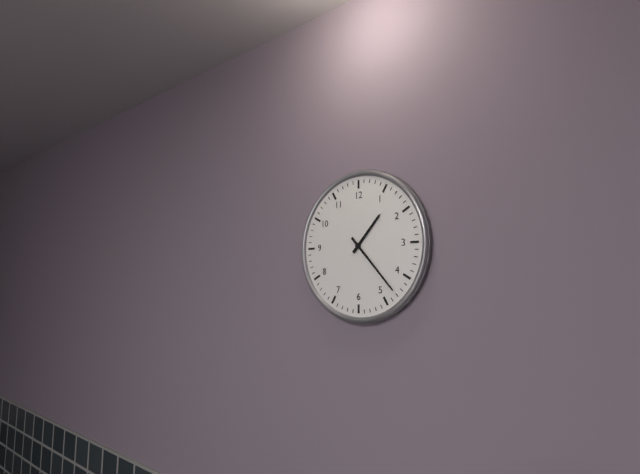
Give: 1:23
